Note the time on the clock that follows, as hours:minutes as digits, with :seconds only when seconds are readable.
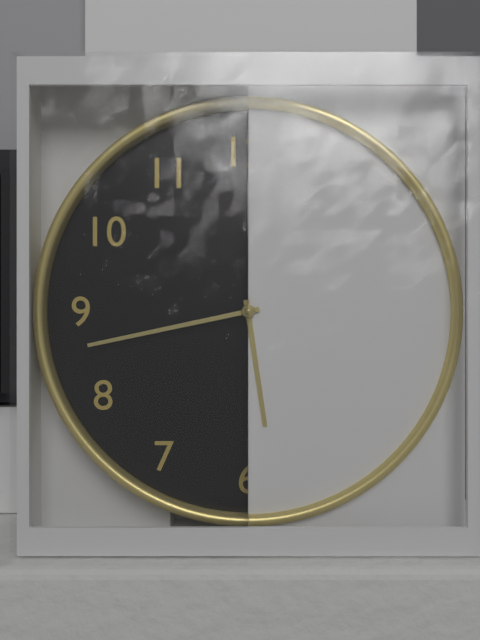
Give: 5:43
